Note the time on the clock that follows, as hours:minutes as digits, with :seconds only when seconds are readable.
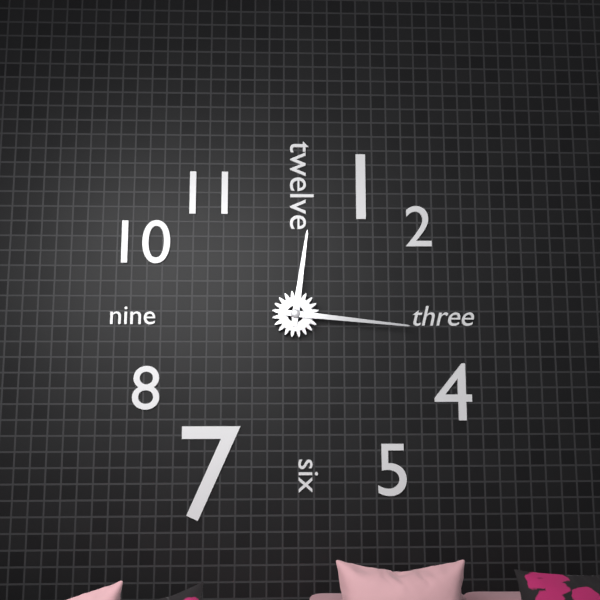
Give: 12:16
